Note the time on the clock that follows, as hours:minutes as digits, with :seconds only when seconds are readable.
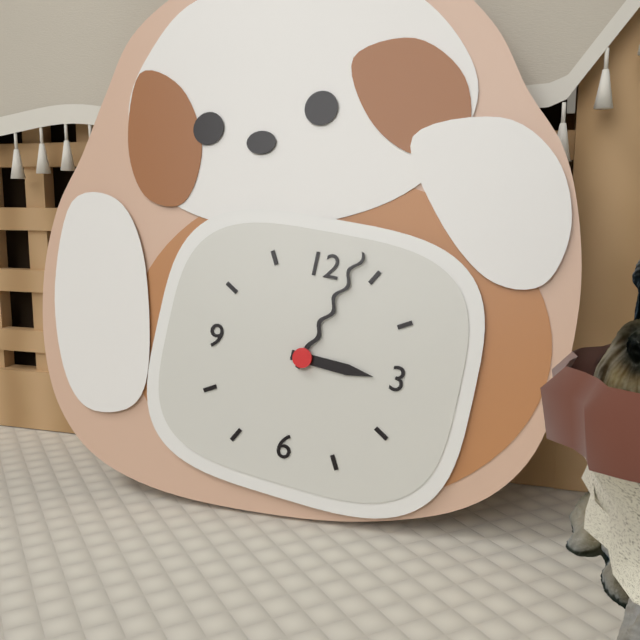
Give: 3:03
